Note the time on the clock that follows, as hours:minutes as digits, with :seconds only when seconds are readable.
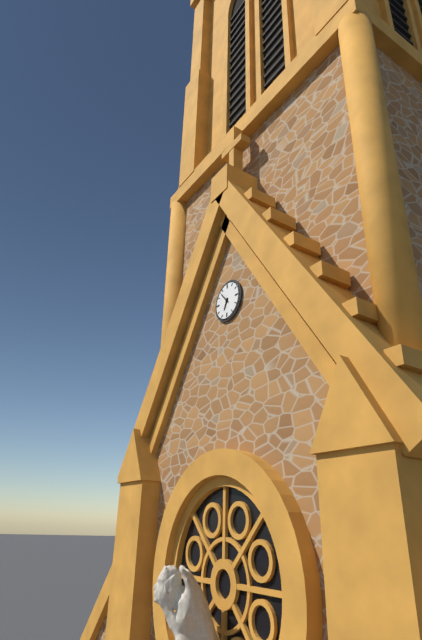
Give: 6:53
